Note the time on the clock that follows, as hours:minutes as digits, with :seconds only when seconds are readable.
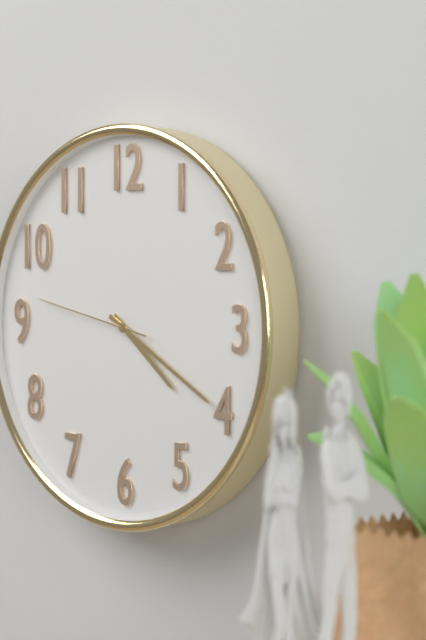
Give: 4:20:47
